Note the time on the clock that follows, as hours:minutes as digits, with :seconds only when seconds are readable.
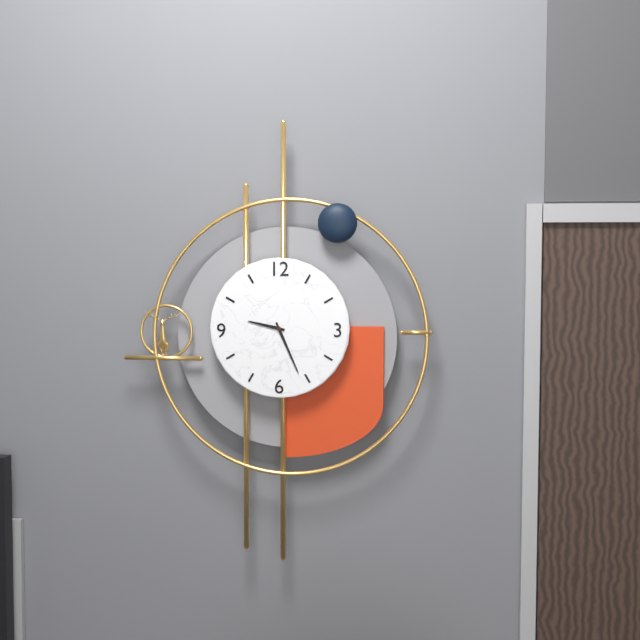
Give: 9:26
